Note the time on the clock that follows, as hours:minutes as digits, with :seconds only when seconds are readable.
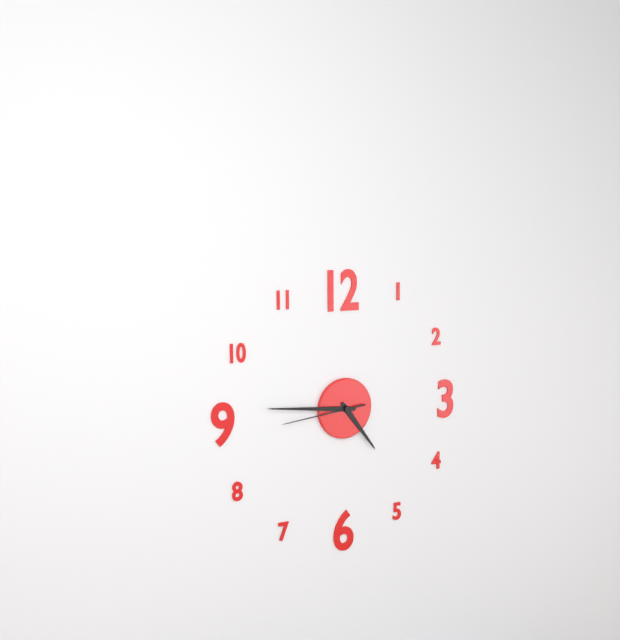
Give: 4:46:44
